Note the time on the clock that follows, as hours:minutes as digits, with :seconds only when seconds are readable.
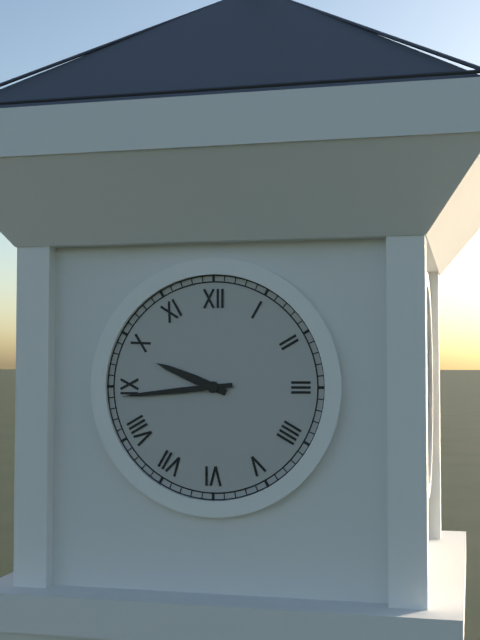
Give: 9:44
